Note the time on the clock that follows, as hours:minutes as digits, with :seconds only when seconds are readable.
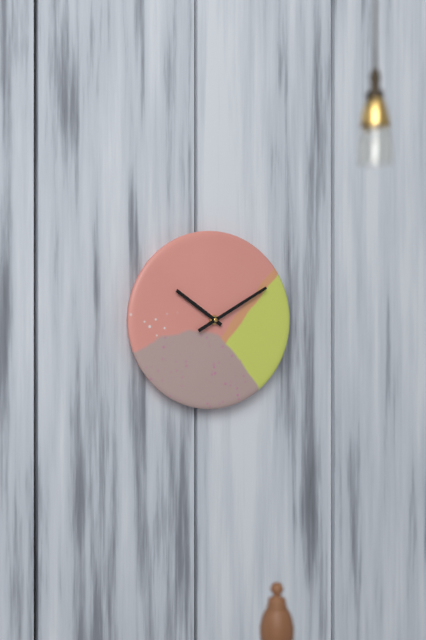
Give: 10:10
